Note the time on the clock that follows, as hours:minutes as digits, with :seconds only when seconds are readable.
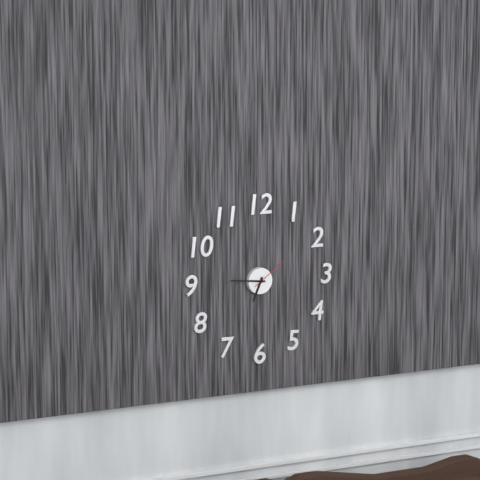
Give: 6:46
